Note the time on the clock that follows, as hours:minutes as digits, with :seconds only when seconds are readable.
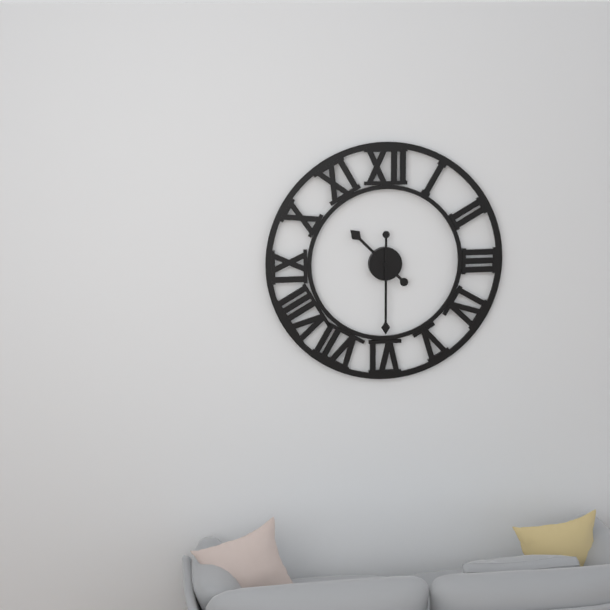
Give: 10:30
